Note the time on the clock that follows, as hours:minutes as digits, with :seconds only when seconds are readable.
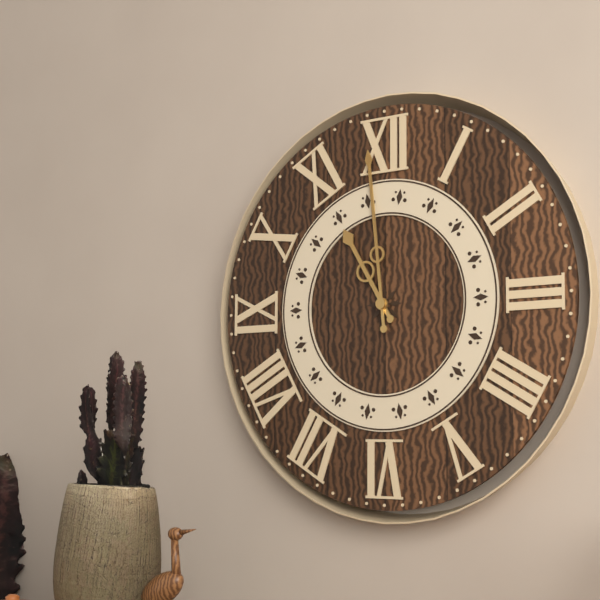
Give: 10:59
